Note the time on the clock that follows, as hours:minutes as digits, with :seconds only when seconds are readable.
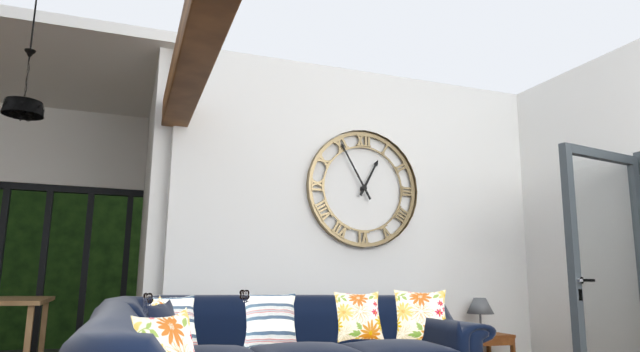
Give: 12:55
